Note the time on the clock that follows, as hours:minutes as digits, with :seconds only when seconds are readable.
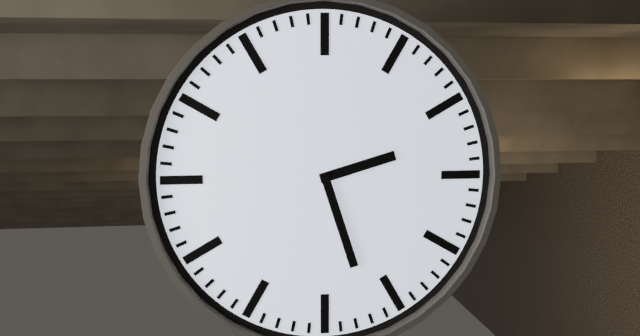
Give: 2:27
